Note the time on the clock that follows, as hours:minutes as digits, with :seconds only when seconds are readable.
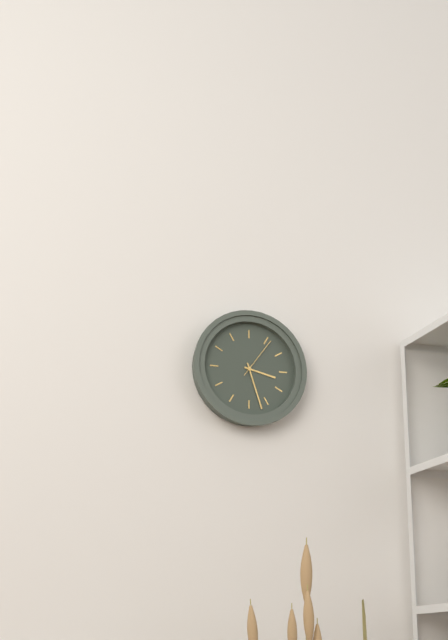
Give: 3:27
